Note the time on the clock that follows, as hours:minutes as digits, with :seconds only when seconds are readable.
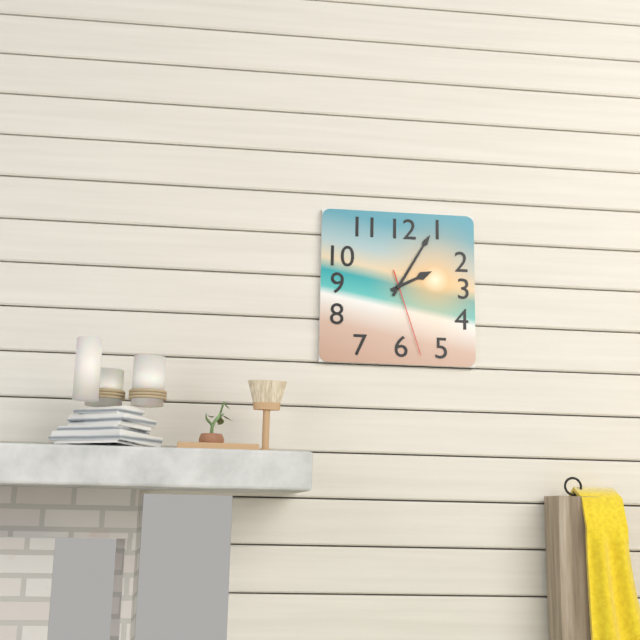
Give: 2:05:27
